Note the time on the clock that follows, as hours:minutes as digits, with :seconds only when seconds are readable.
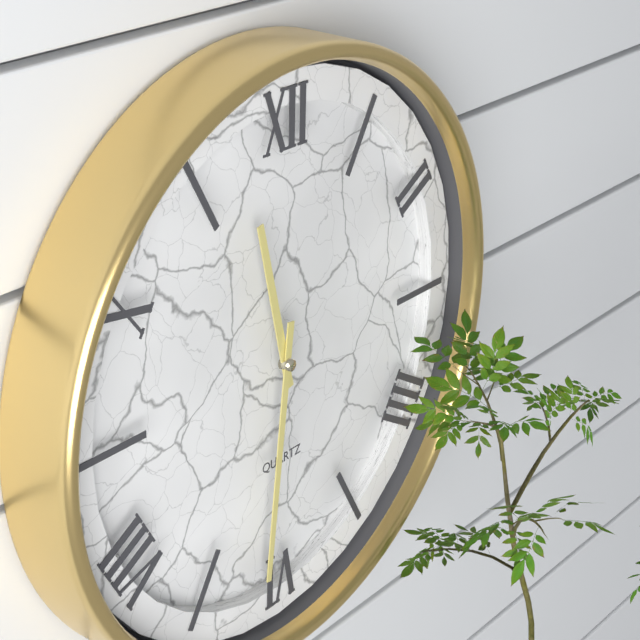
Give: 11:31
